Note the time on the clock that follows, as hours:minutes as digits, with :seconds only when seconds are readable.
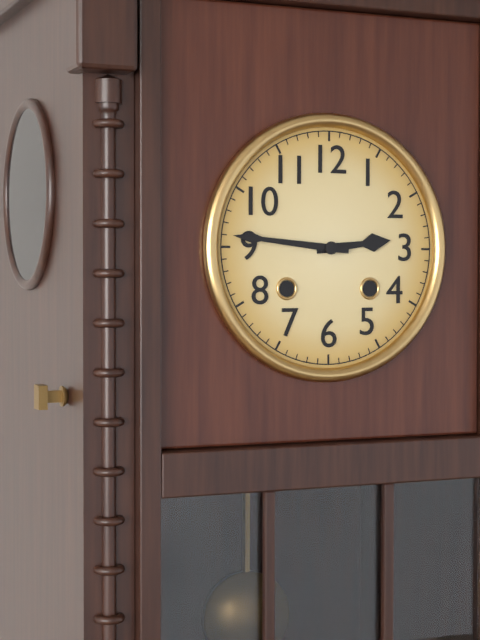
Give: 2:46
